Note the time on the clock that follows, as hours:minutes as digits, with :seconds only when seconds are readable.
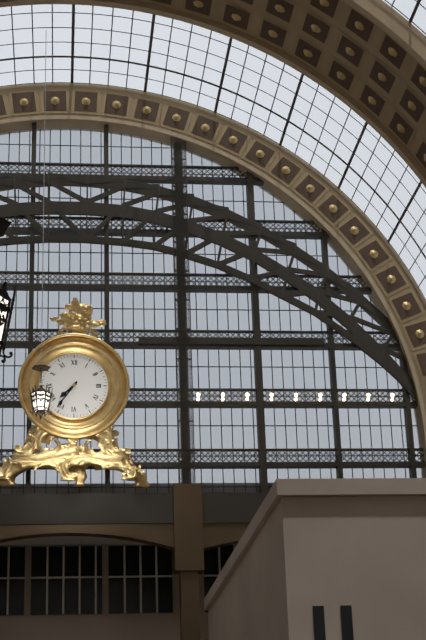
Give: 7:36
